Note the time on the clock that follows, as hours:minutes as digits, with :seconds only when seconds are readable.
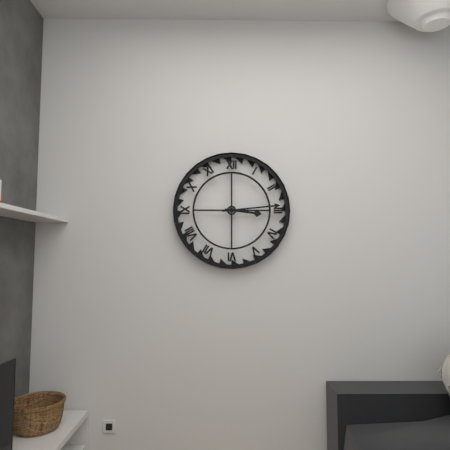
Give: 3:14
